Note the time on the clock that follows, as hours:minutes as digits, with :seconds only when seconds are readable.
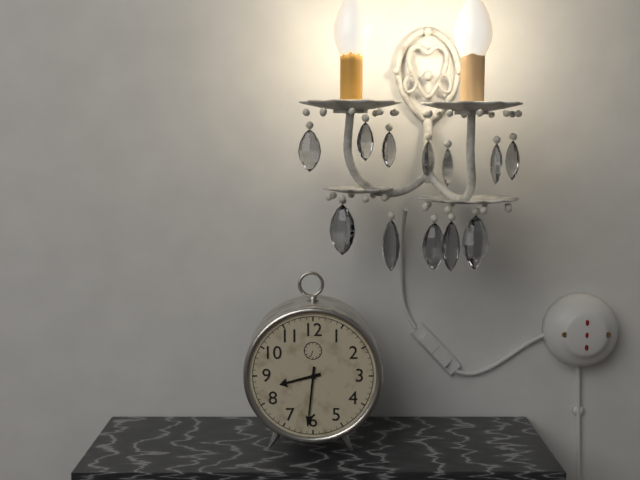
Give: 8:31
